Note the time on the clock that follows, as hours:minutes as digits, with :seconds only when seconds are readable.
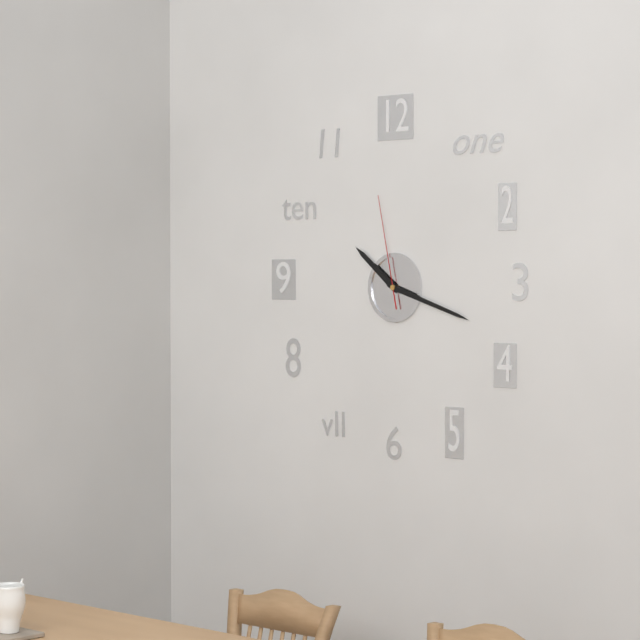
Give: 10:18:58
